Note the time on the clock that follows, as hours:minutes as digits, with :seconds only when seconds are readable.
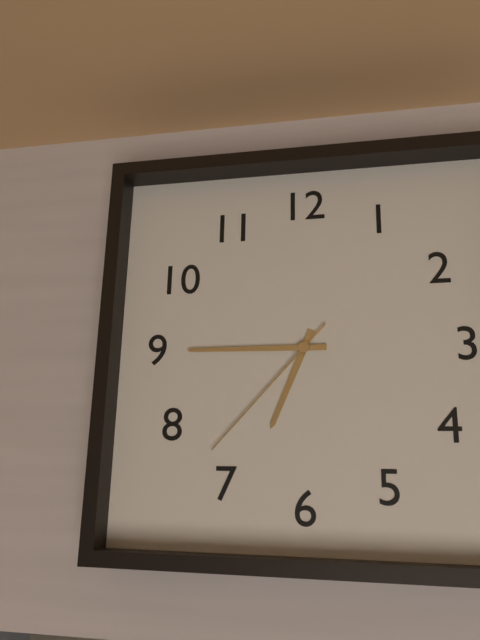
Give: 6:45:37
